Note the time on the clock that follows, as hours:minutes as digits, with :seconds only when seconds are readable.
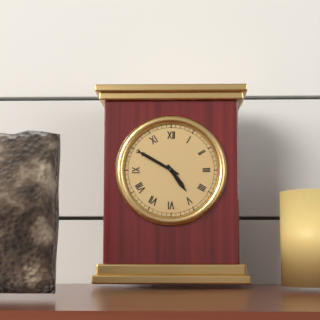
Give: 4:50
